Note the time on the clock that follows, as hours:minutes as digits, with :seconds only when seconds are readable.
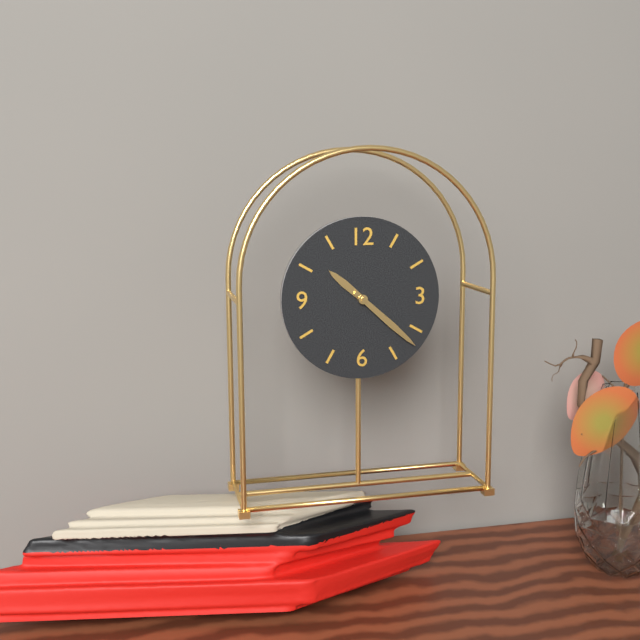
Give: 10:22
